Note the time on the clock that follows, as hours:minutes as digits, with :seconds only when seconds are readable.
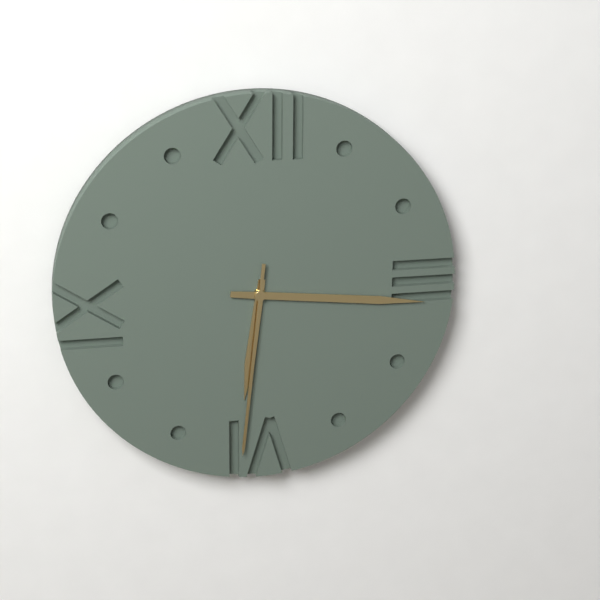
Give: 6:16:31
